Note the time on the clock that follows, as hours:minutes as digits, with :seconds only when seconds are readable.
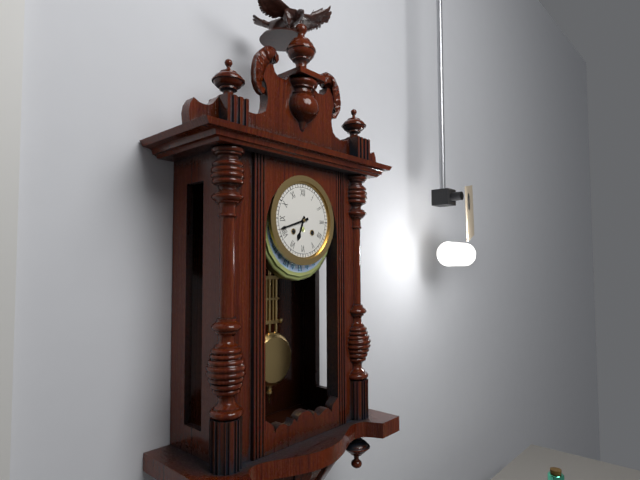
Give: 6:42
